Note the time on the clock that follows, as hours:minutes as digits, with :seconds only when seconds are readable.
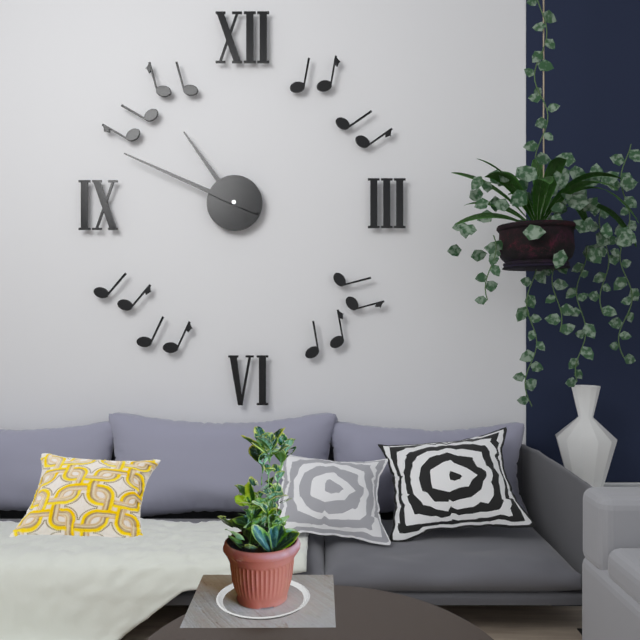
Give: 10:49
